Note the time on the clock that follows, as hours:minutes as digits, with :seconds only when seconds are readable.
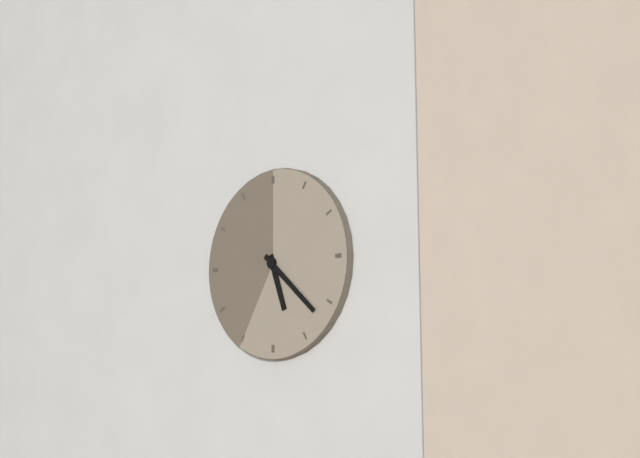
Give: 5:22
